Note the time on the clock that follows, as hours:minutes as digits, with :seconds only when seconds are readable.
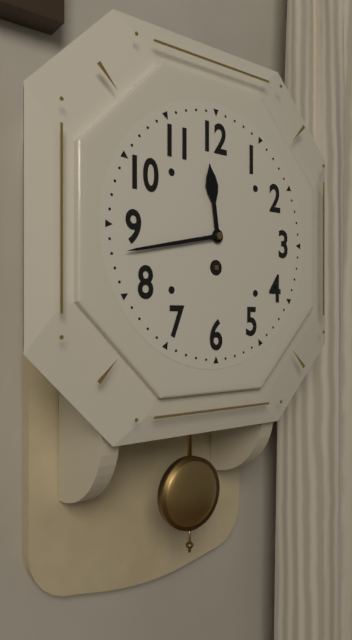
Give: 11:43
